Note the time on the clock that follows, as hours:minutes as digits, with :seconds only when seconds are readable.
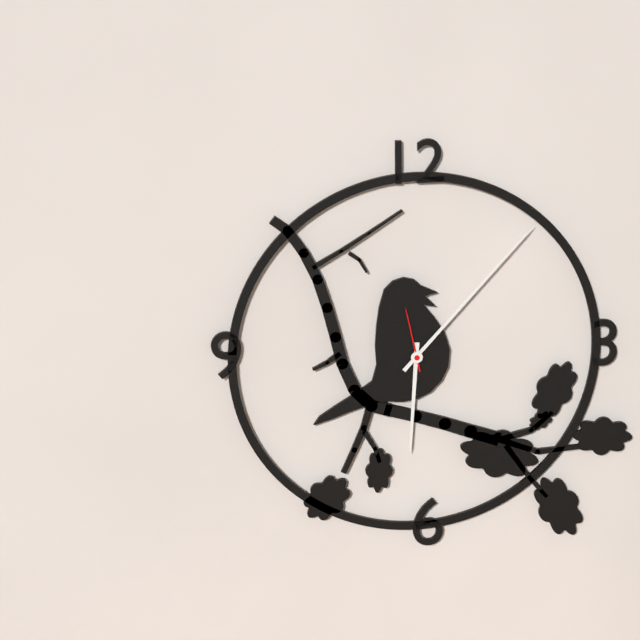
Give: 6:07:58
